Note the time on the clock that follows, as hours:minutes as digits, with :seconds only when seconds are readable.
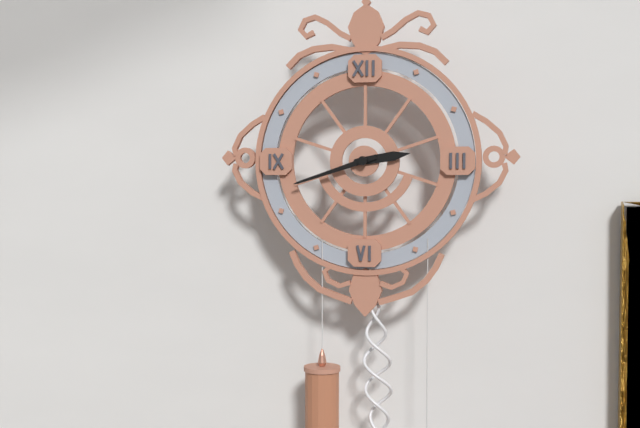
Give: 2:42
